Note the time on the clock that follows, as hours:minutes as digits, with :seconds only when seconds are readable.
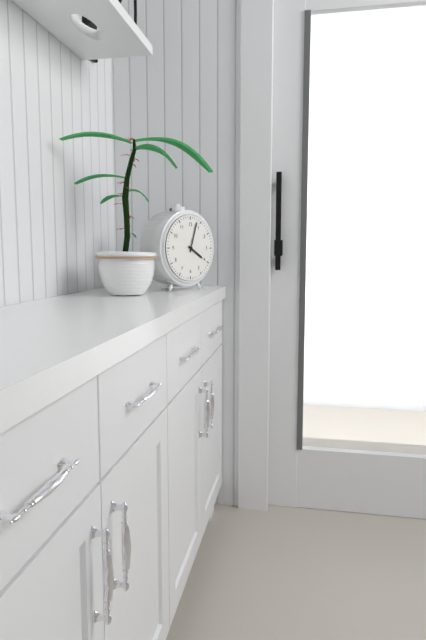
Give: 4:03
